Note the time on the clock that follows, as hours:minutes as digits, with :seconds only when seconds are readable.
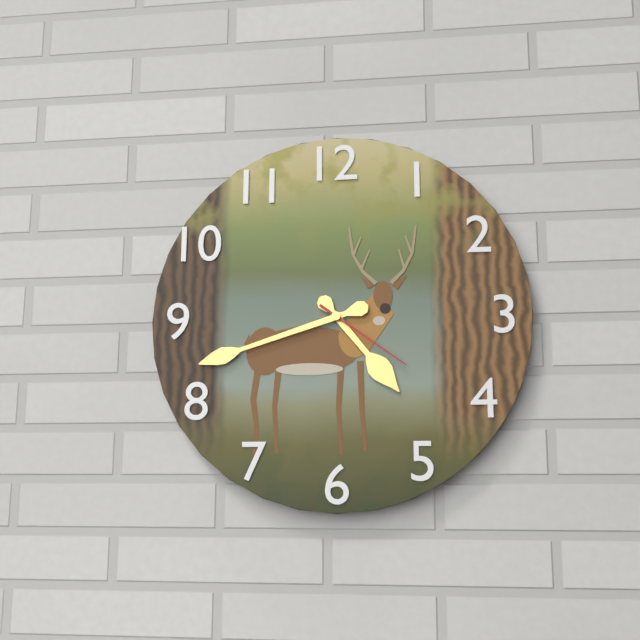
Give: 4:42:21
